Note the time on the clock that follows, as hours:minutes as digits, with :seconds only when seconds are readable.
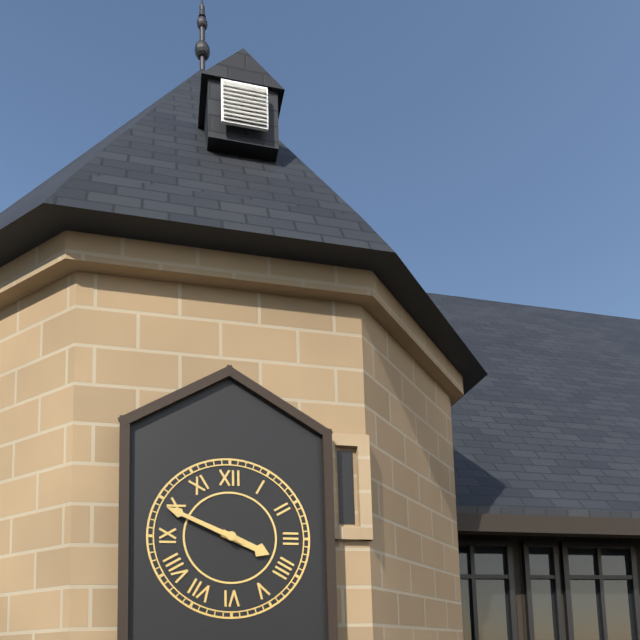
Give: 3:49
